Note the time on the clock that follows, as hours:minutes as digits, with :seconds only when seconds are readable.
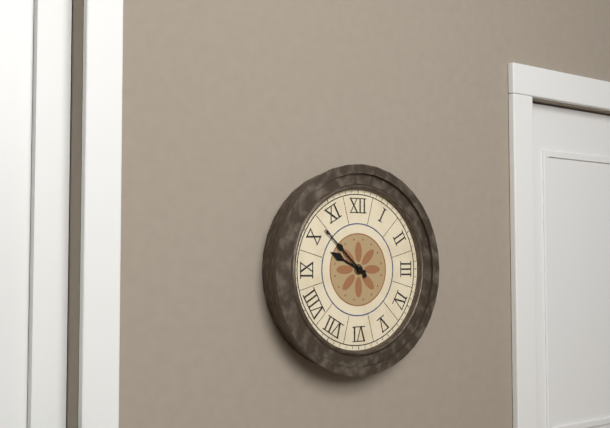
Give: 9:52
